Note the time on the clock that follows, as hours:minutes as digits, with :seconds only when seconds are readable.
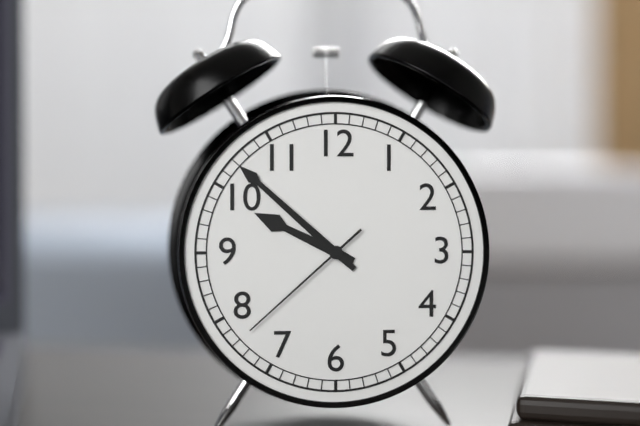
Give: 9:52:38
